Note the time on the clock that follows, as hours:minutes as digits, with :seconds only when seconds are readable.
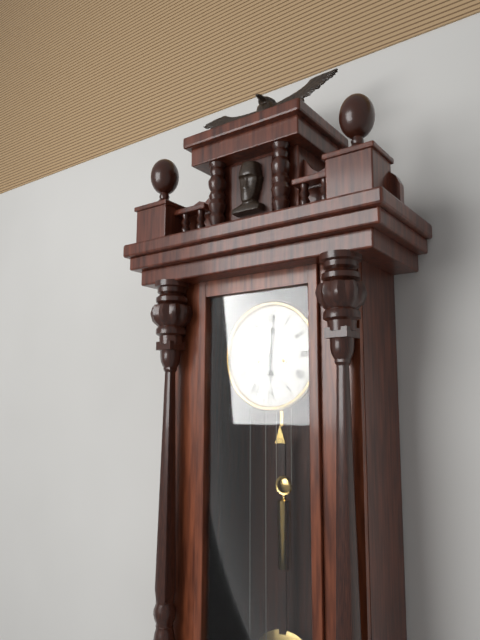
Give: 6:01
